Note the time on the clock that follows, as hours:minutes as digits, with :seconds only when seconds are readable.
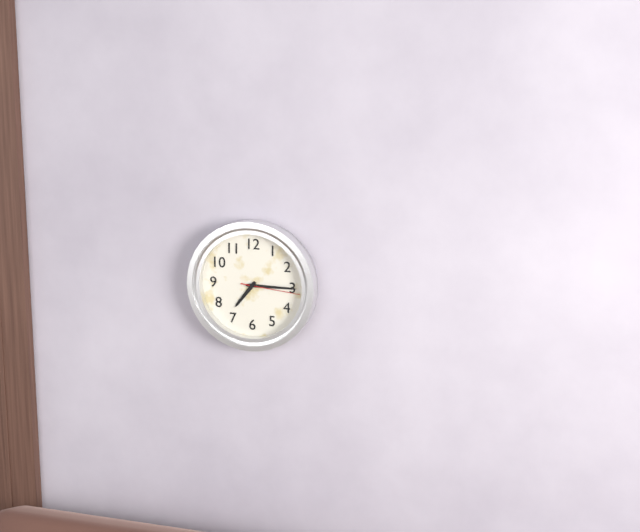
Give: 7:15:16
